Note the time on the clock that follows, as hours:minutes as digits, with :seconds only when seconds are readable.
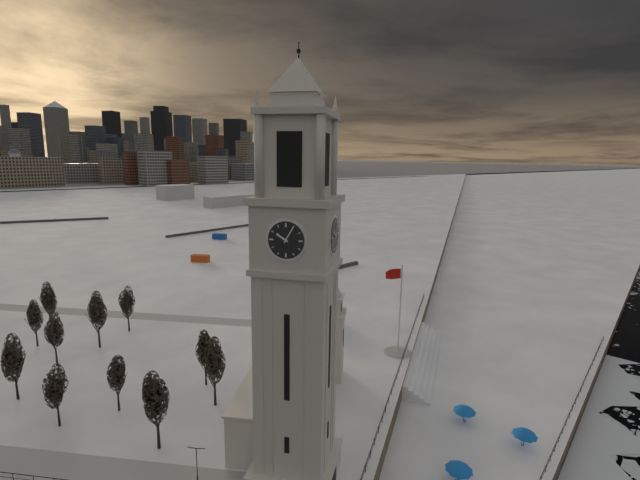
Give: 10:05
